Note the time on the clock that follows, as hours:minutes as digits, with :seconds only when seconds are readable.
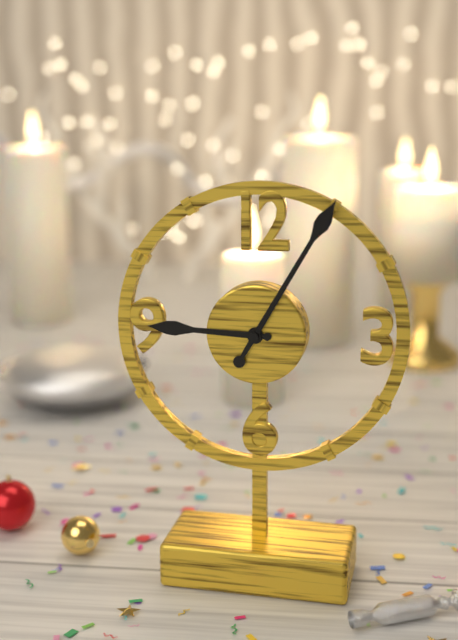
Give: 9:05
